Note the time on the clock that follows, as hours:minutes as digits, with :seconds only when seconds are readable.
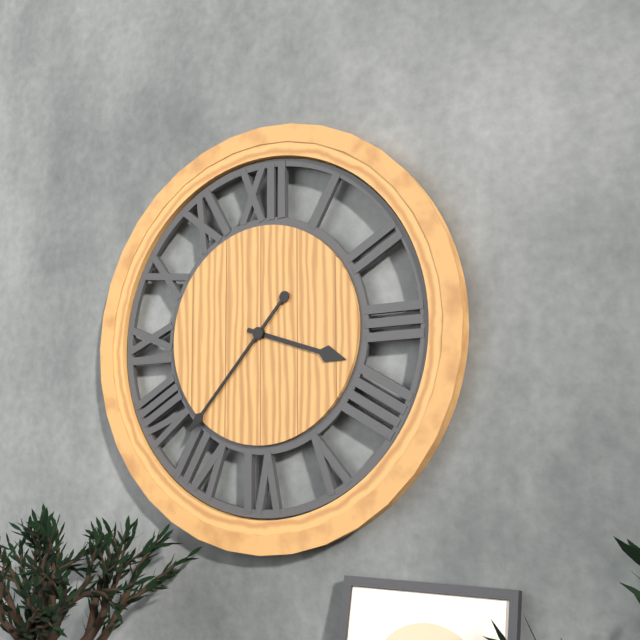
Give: 3:37
